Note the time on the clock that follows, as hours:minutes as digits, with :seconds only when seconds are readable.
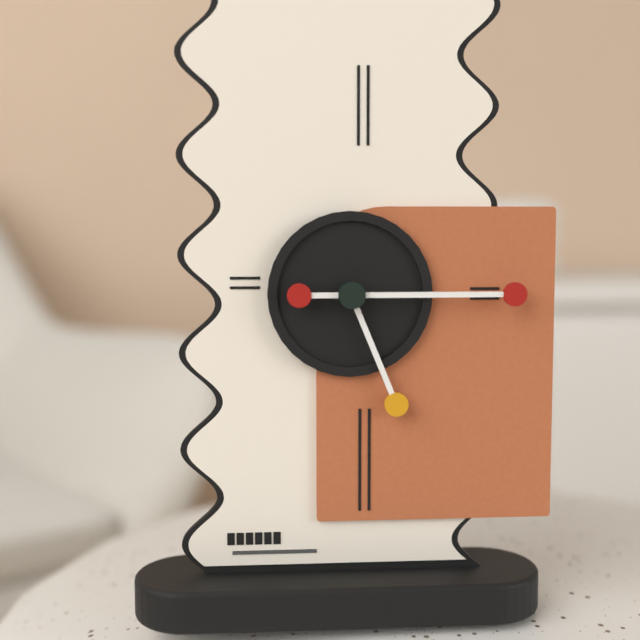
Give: 5:15
